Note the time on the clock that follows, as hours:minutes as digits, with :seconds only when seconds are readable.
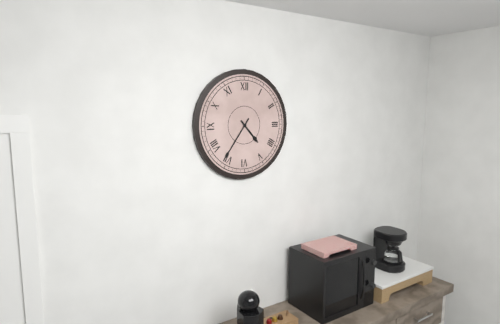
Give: 4:36
